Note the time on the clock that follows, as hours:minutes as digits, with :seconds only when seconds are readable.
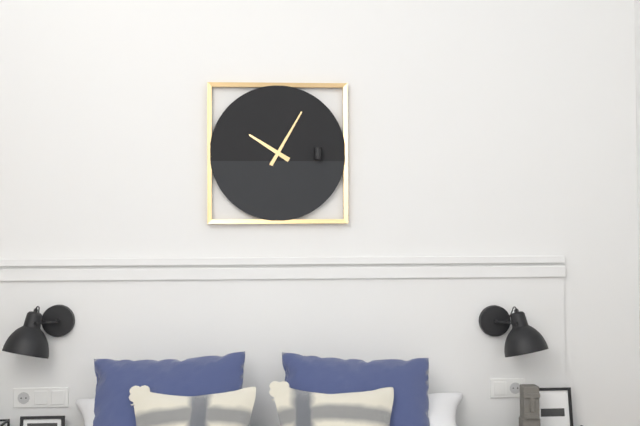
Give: 10:05
